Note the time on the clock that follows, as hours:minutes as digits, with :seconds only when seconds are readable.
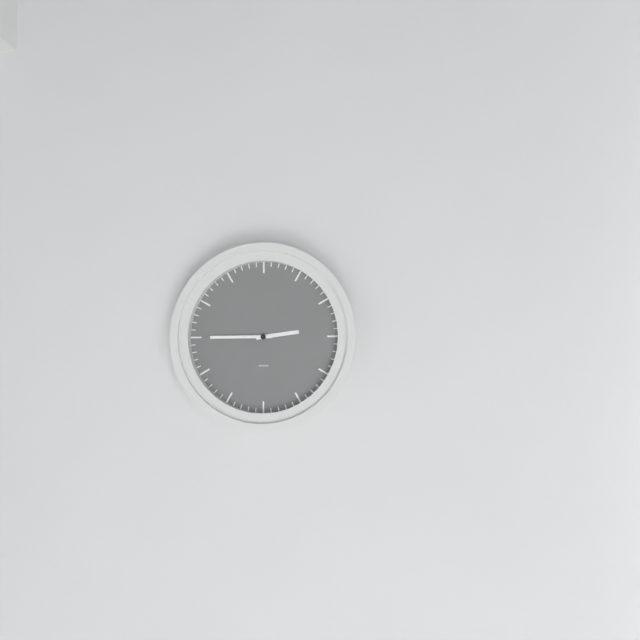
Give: 2:45
